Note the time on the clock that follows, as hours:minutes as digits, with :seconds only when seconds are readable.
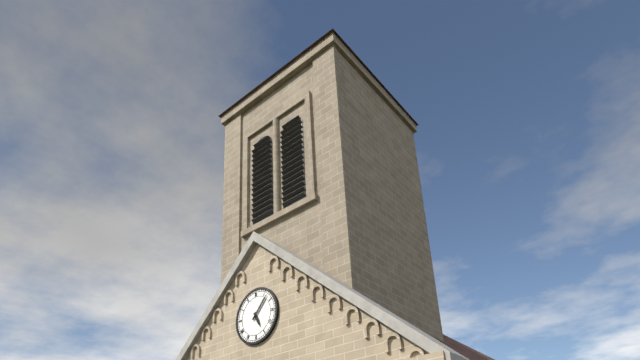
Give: 5:07
